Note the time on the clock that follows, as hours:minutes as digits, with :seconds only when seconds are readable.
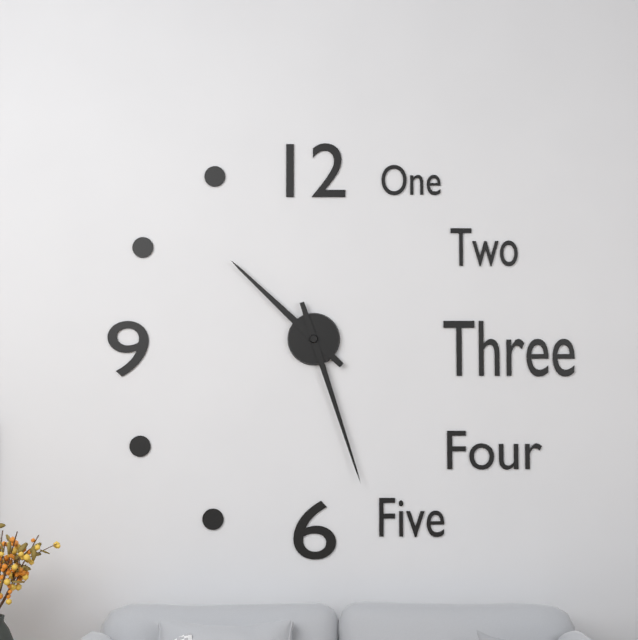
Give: 10:27
